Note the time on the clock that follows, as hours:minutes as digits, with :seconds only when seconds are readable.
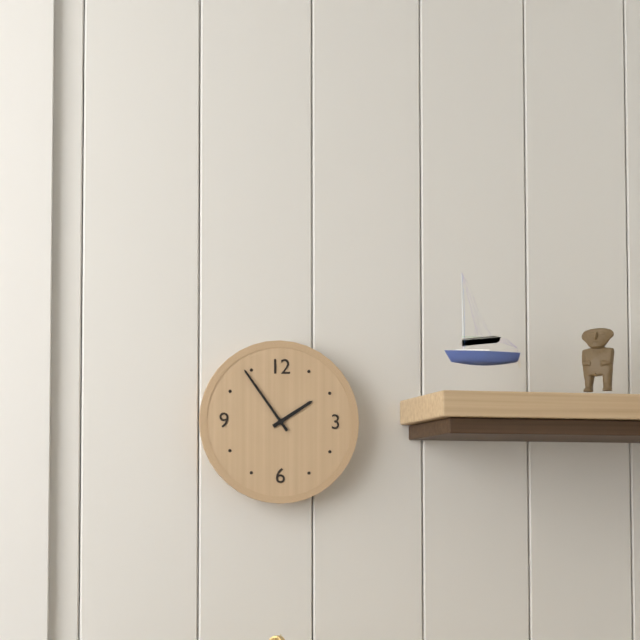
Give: 1:54
